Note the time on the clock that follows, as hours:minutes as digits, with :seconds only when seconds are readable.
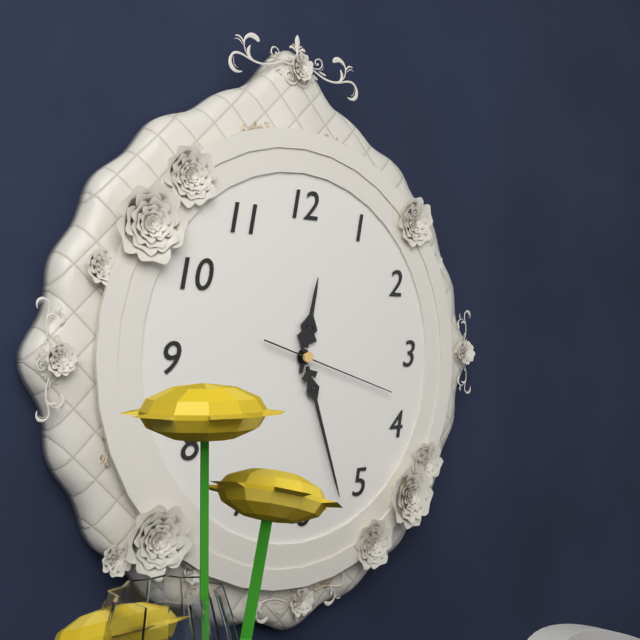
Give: 12:27:18
